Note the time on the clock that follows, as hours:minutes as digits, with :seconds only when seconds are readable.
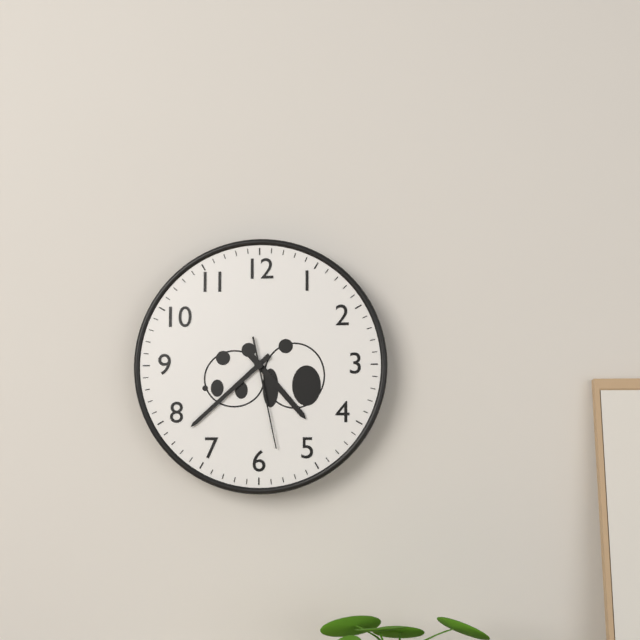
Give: 4:38:28
